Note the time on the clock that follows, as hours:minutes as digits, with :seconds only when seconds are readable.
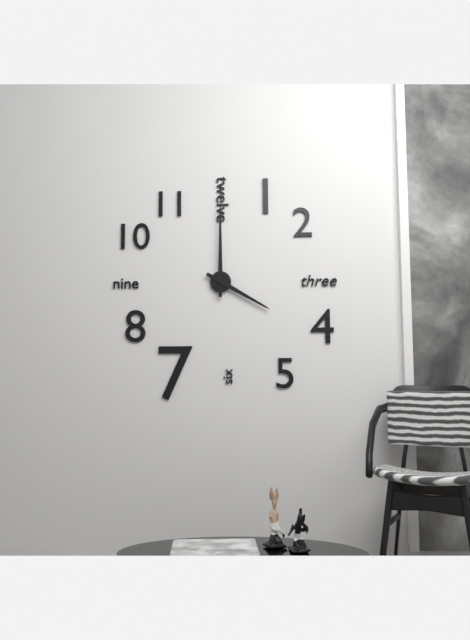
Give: 4:00
